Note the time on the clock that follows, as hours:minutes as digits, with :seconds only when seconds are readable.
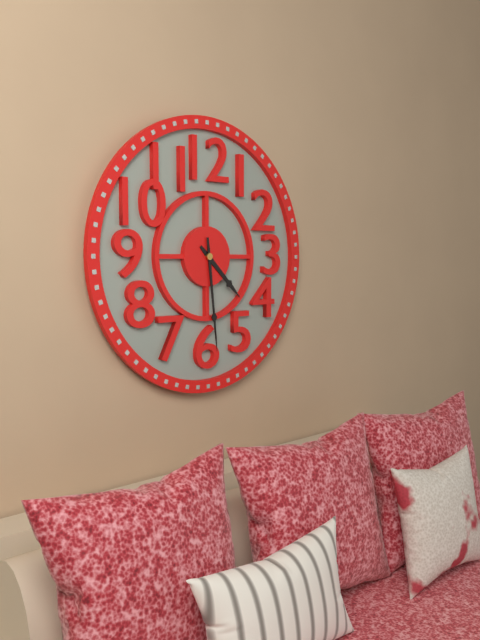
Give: 4:29
